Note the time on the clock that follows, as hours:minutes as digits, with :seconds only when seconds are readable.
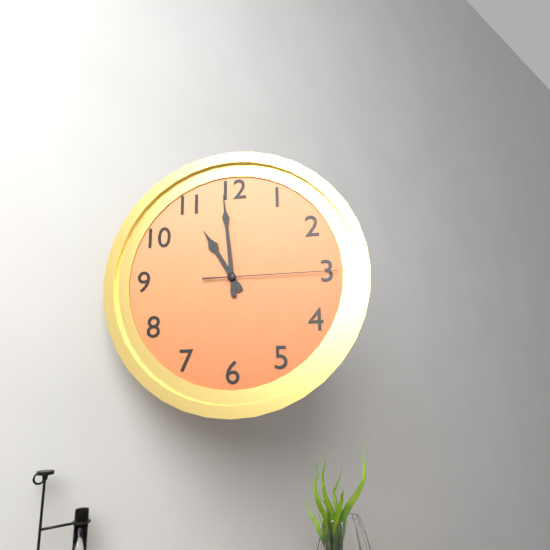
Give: 10:59:15
